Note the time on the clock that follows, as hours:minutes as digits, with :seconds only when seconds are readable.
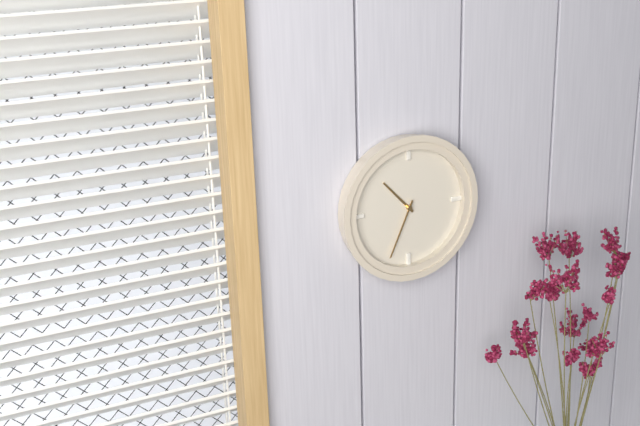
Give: 10:34
